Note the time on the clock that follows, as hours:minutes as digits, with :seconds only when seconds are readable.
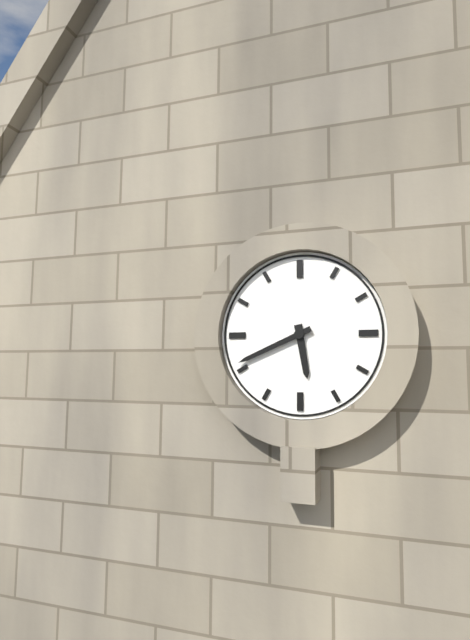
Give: 5:41
